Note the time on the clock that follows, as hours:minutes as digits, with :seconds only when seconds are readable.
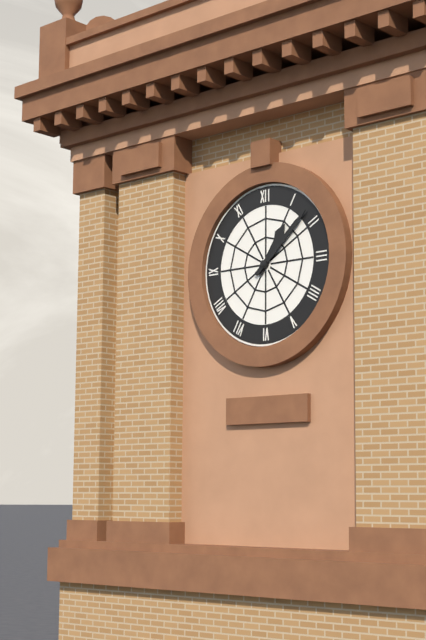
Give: 1:08
